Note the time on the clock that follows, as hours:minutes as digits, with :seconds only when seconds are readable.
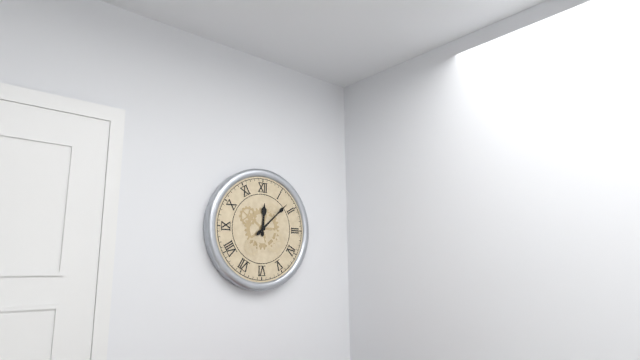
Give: 12:08
